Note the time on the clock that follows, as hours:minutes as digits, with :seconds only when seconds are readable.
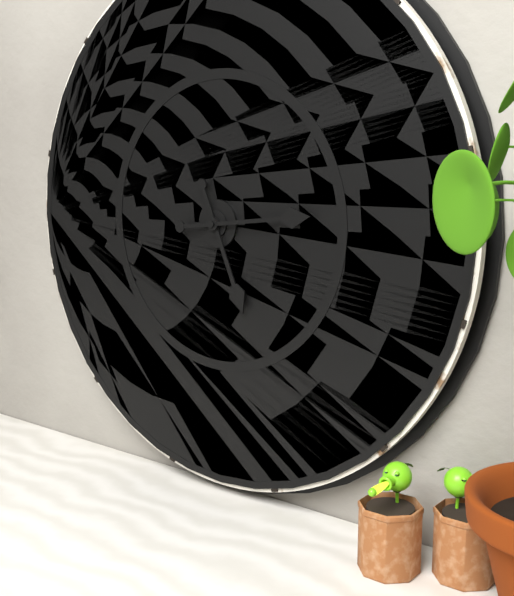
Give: 5:14
